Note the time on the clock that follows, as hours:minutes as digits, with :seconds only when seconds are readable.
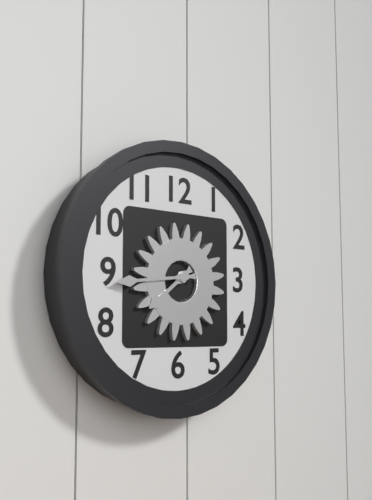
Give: 7:44
